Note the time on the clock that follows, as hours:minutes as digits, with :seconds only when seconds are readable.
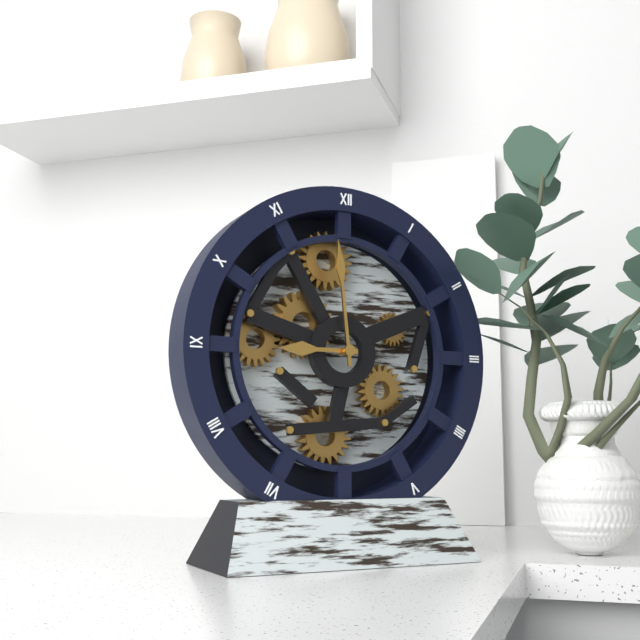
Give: 8:59
